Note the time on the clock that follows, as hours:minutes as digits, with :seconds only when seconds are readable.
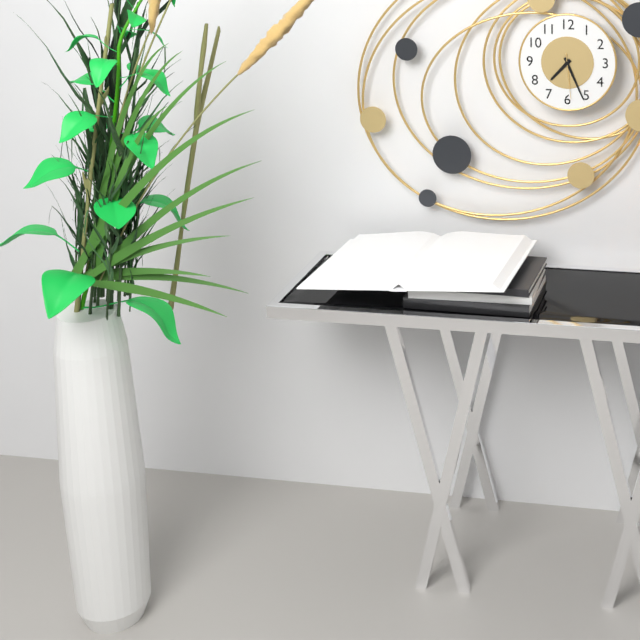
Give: 7:26
